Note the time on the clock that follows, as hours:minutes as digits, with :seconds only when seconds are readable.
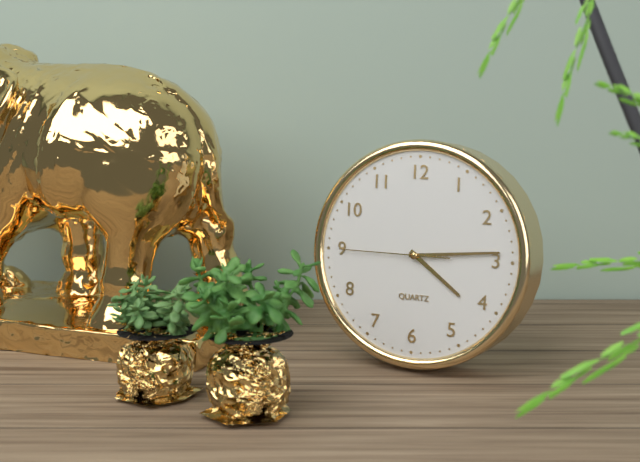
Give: 4:14:45
